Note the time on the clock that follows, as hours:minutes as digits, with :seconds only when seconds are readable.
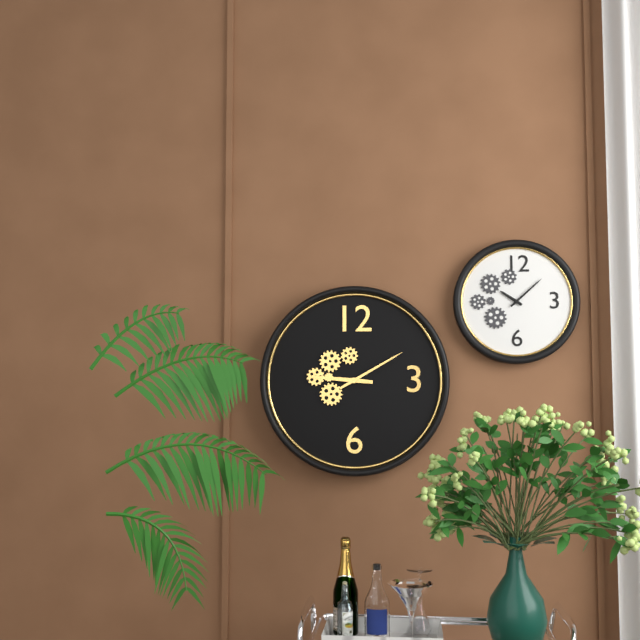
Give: 9:10
